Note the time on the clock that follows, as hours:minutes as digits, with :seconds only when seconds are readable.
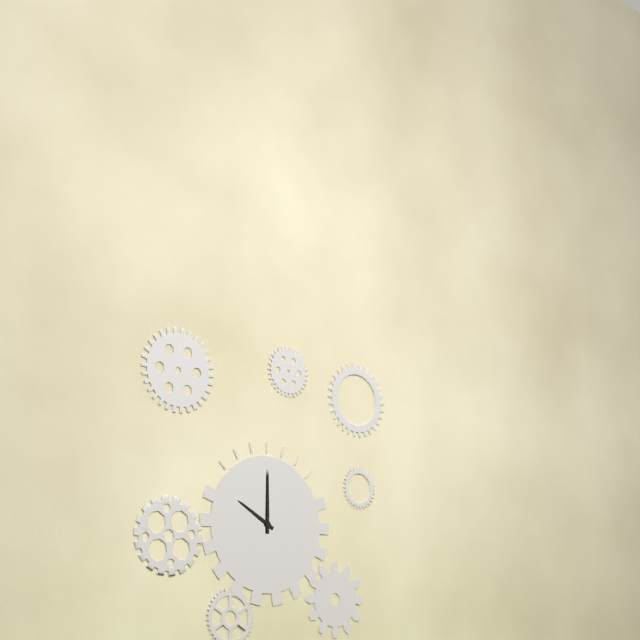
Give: 10:00
